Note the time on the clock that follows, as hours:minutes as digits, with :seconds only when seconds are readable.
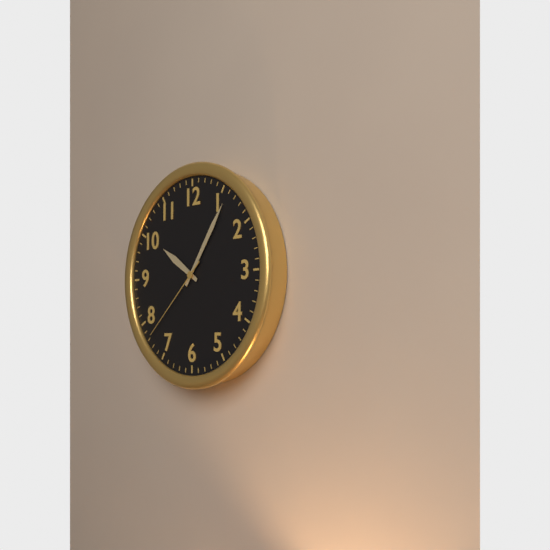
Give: 10:06:38
